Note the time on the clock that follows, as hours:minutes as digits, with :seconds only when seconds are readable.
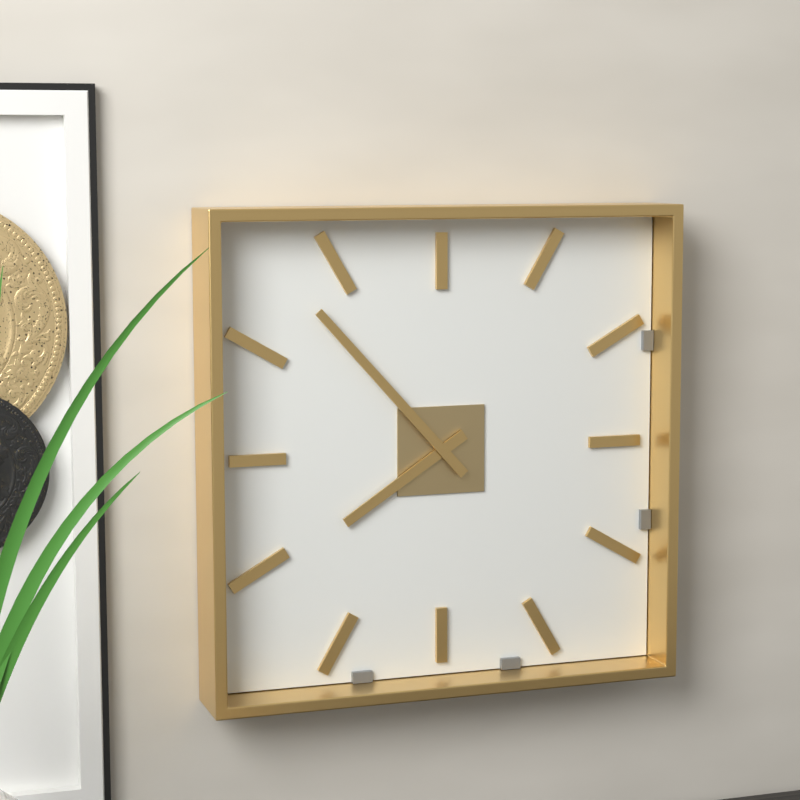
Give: 7:53
